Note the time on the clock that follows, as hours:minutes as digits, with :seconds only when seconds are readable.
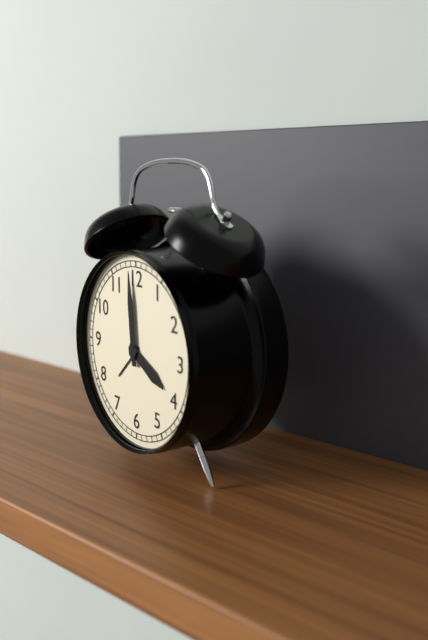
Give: 3:59
